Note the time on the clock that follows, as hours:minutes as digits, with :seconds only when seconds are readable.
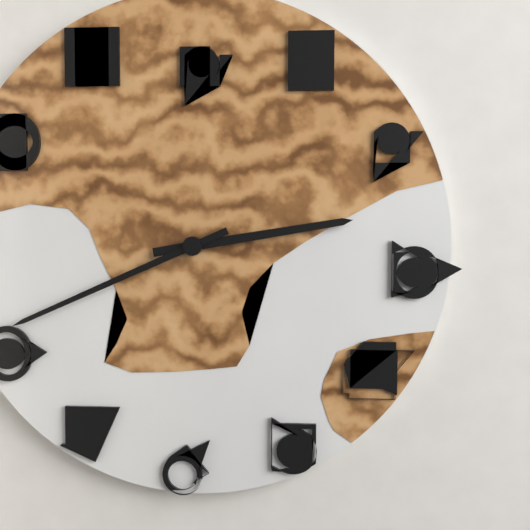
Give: 2:41
